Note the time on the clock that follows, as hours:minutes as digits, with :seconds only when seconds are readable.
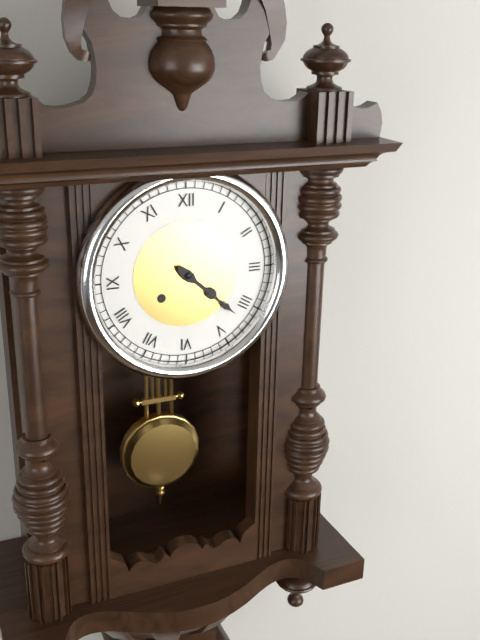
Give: 4:22
